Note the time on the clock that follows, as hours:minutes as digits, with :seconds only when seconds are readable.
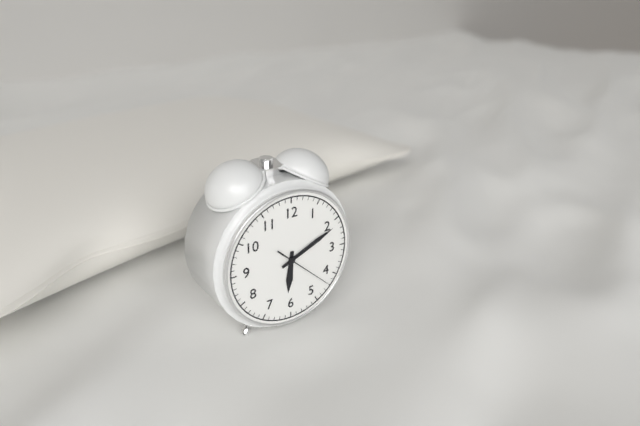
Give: 6:11:22
